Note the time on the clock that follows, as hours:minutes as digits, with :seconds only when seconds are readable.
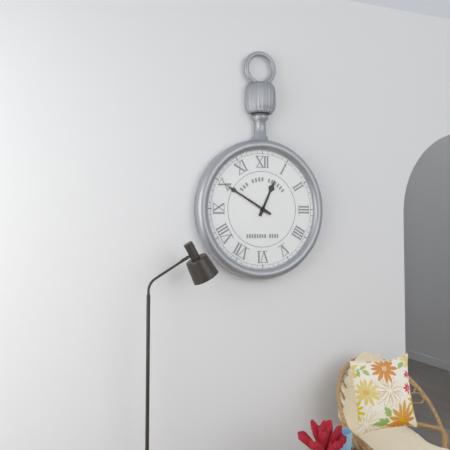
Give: 12:50
